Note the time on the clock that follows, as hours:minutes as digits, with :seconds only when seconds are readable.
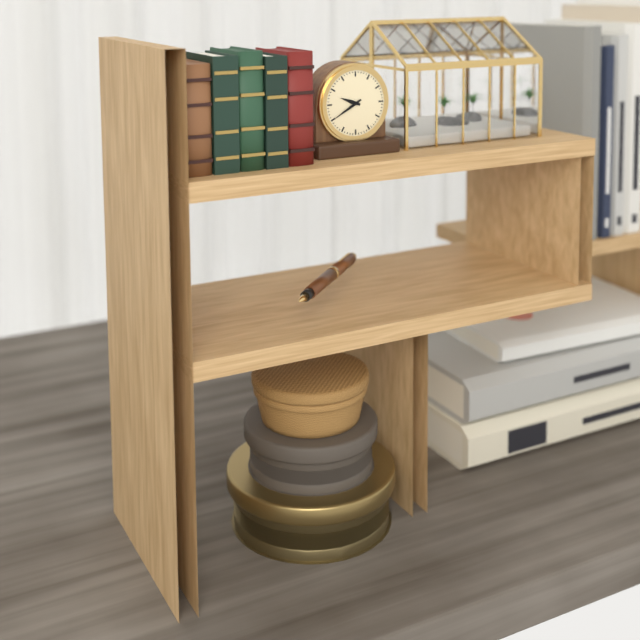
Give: 9:40
